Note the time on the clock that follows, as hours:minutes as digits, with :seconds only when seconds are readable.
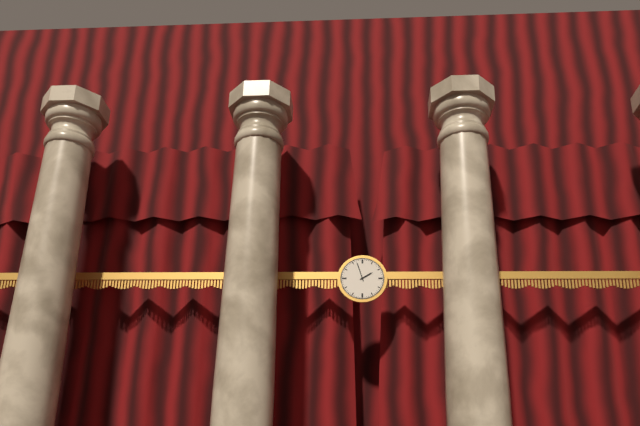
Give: 1:57
